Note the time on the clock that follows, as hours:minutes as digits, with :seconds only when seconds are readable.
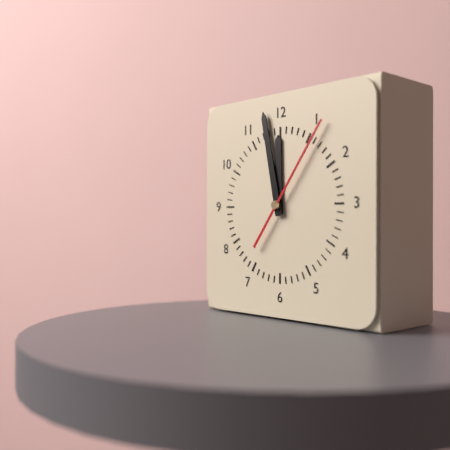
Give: 11:58:06
